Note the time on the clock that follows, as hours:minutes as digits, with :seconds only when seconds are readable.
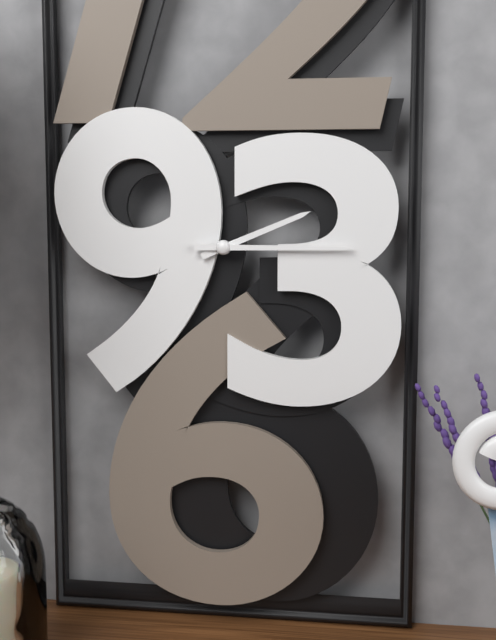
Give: 2:15
